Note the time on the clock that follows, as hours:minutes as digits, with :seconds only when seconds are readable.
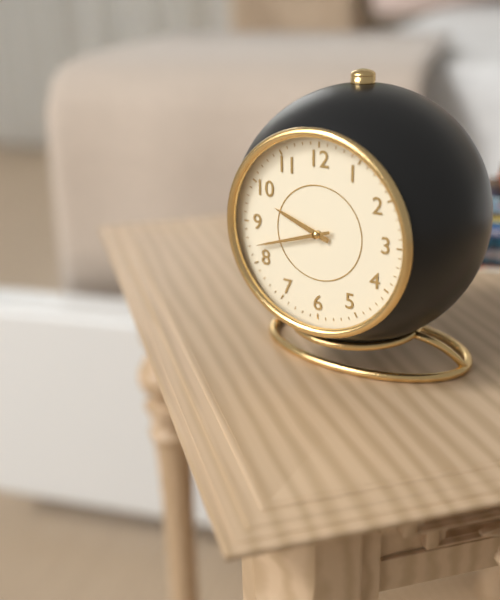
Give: 9:42
